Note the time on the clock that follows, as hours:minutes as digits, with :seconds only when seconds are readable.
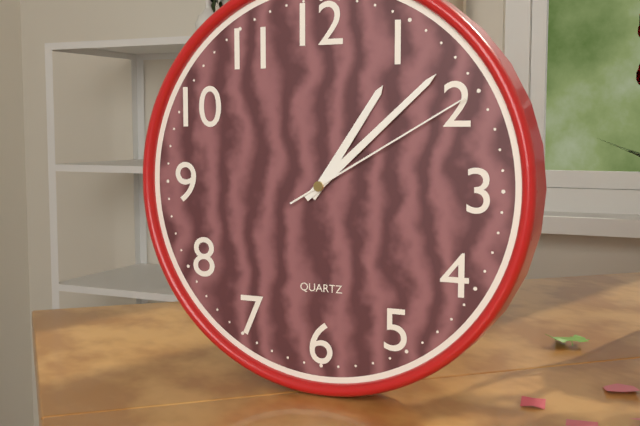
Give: 1:08:10
